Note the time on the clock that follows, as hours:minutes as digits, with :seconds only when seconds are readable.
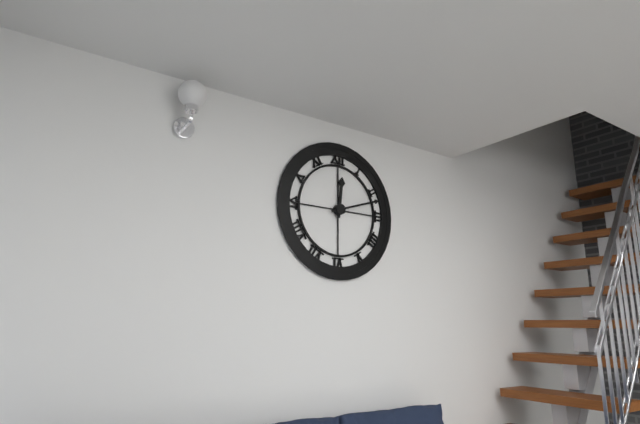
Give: 12:12
